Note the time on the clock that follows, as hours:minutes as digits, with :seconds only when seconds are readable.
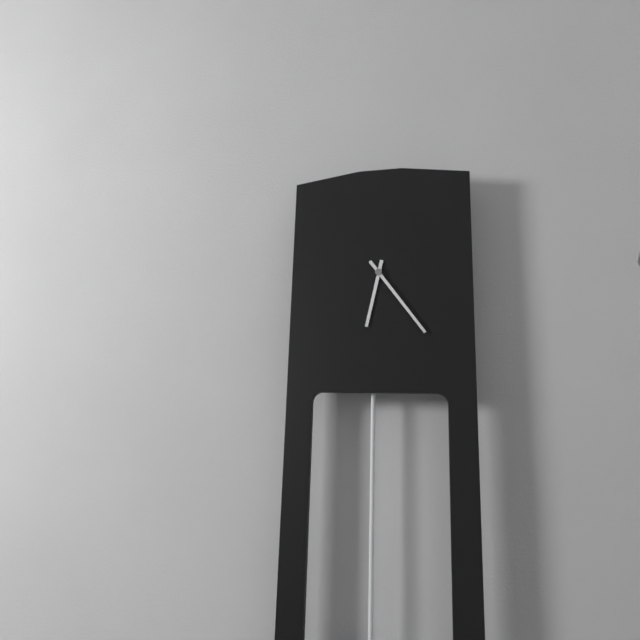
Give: 6:24
